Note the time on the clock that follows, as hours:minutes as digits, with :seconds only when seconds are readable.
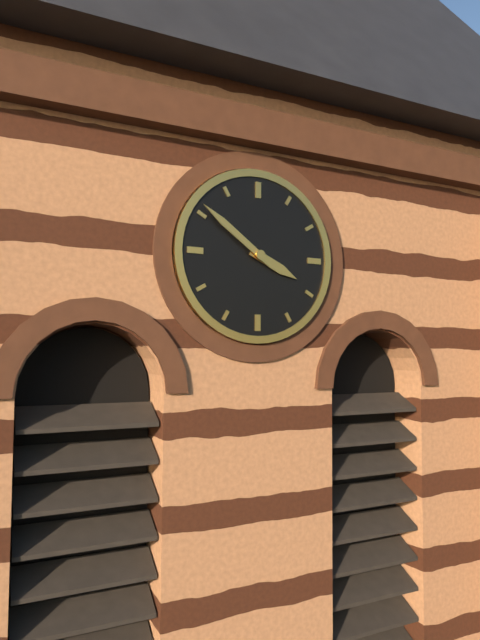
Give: 3:51
